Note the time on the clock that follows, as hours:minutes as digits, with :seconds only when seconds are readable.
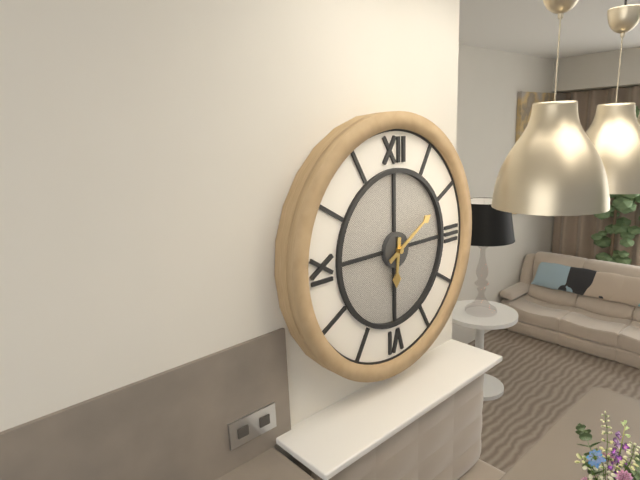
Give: 6:10
